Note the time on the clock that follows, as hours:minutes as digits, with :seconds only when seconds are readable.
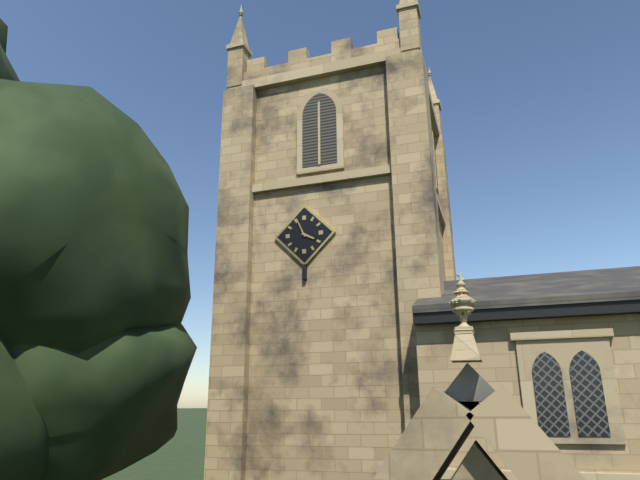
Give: 3:56
